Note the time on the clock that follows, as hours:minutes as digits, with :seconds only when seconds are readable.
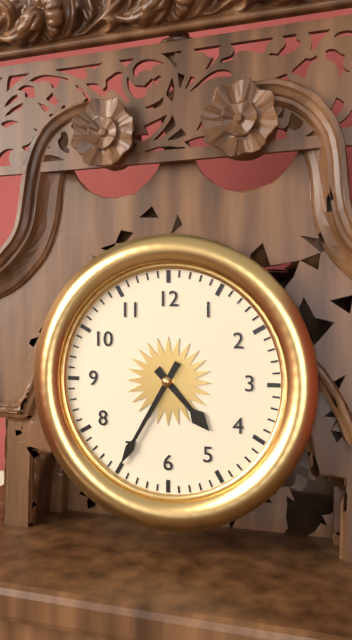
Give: 4:35
